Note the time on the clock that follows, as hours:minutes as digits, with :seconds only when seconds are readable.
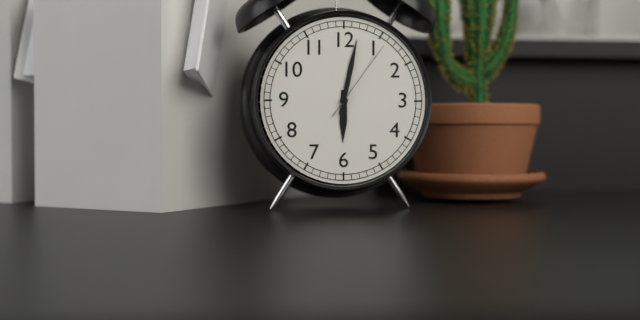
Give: 6:02:06
